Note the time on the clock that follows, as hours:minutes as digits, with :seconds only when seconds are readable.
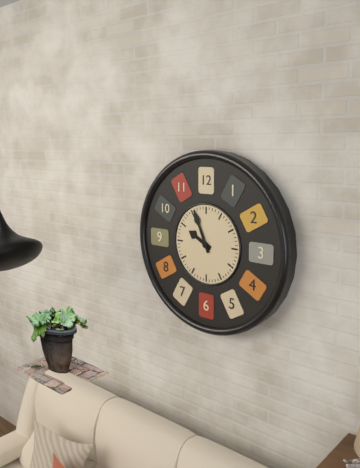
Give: 9:56
